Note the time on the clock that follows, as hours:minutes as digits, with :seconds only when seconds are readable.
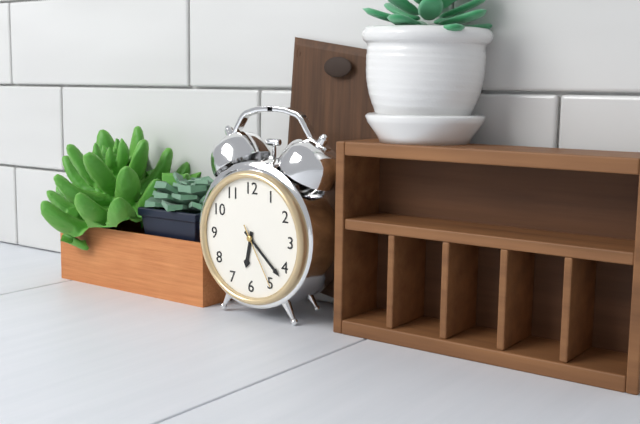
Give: 6:22:25
